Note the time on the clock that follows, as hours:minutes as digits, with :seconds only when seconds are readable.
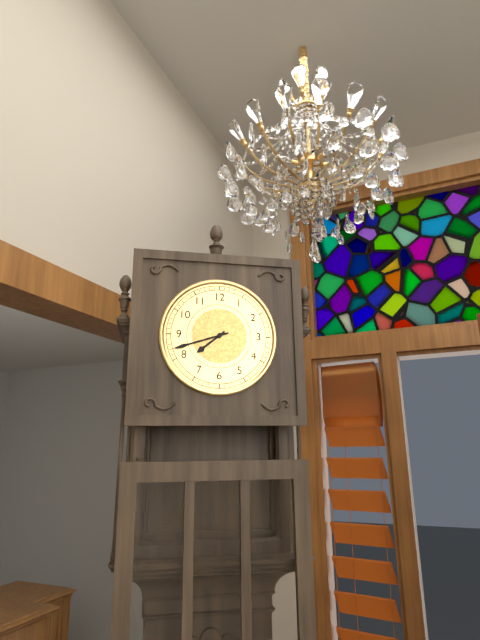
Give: 7:42
